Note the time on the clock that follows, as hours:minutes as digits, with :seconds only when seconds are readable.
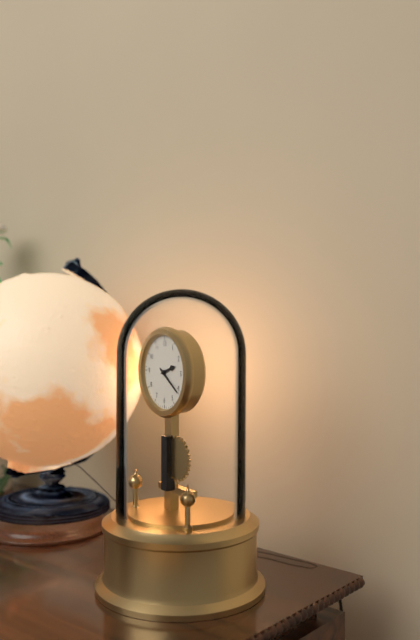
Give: 2:21
